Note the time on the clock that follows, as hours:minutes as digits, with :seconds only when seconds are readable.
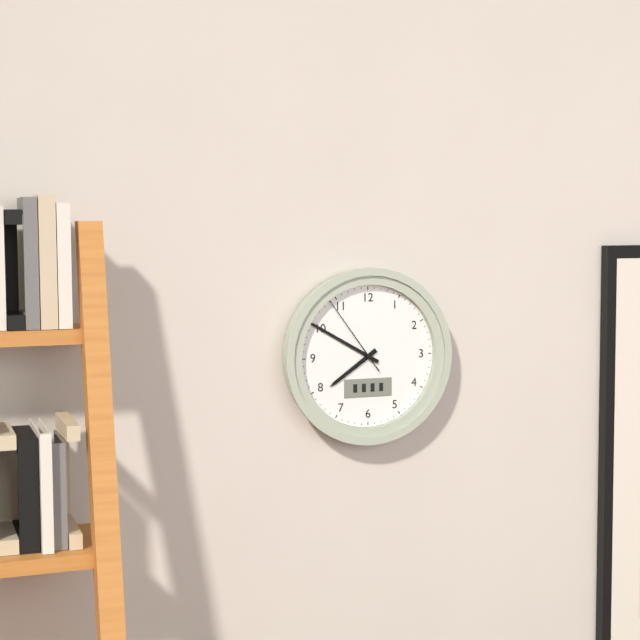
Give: 7:50:54
